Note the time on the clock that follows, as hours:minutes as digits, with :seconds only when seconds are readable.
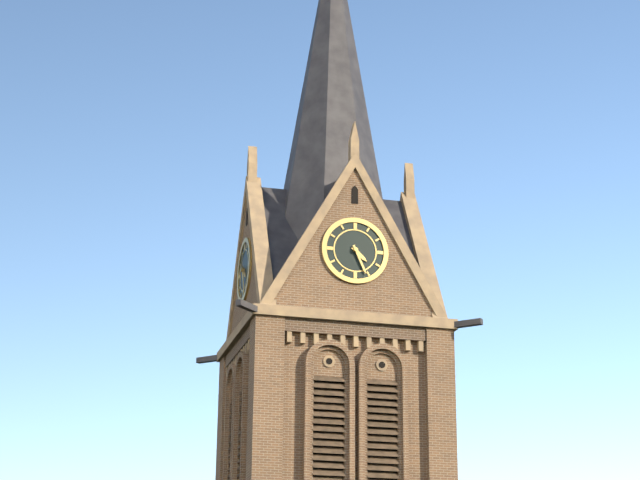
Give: 4:26
